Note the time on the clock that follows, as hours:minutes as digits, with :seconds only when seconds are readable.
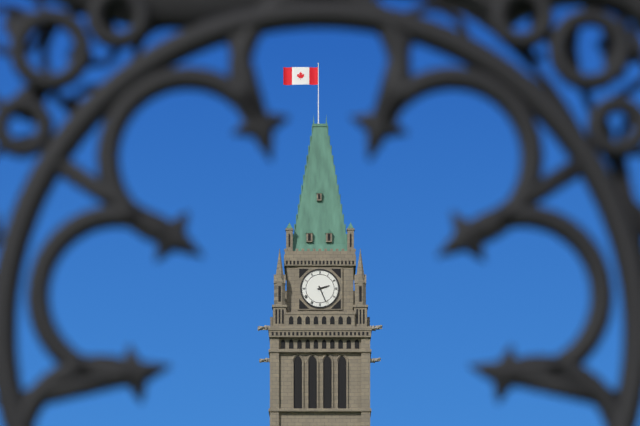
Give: 2:26
